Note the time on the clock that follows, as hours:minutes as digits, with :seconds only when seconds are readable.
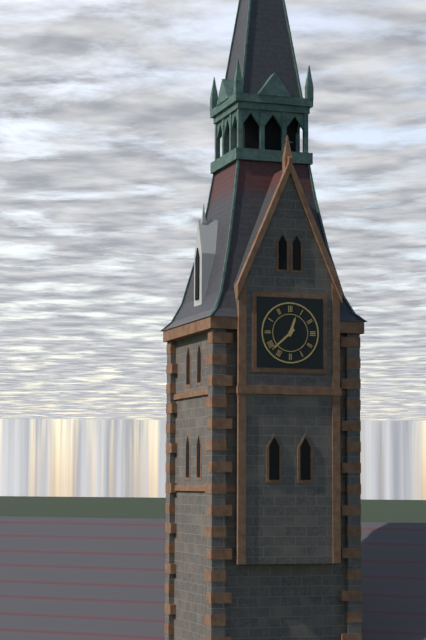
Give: 12:38
